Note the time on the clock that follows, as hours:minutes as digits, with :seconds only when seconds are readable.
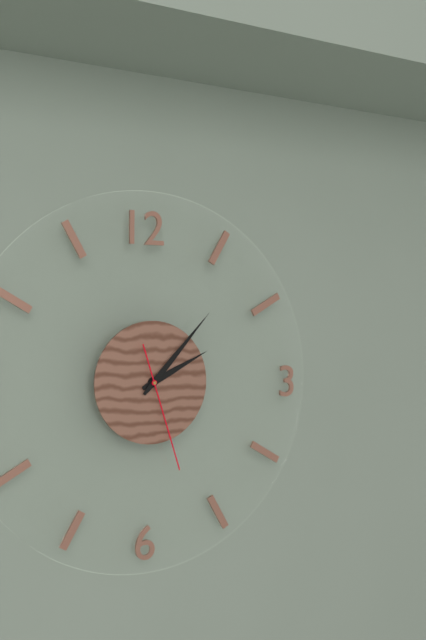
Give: 2:07:27
